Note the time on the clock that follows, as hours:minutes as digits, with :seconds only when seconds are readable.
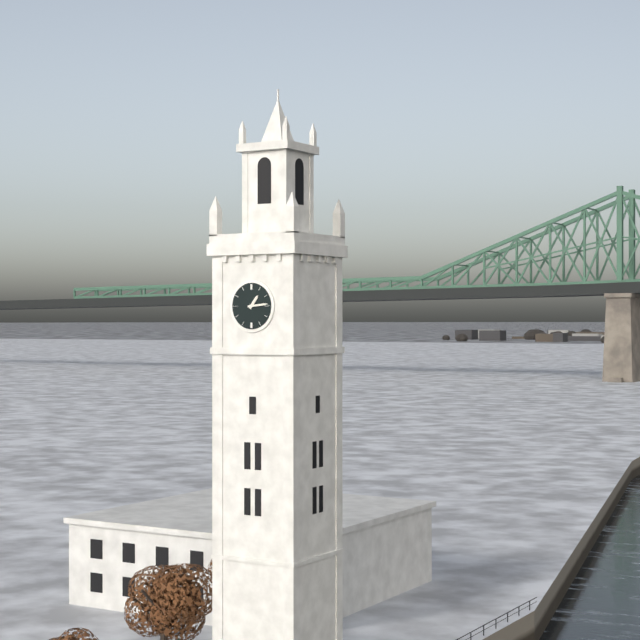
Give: 1:14
